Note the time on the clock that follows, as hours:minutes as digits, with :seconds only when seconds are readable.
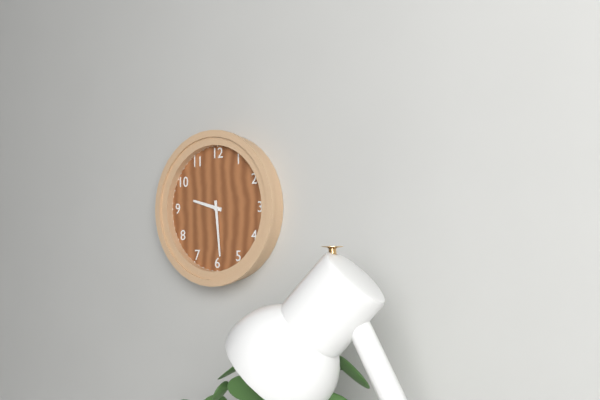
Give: 9:29
